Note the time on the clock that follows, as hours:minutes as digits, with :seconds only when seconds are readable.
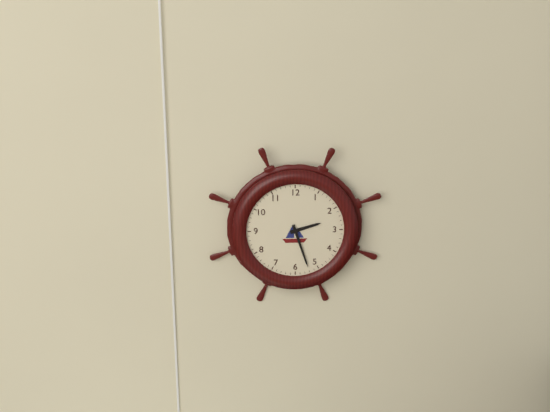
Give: 2:27
